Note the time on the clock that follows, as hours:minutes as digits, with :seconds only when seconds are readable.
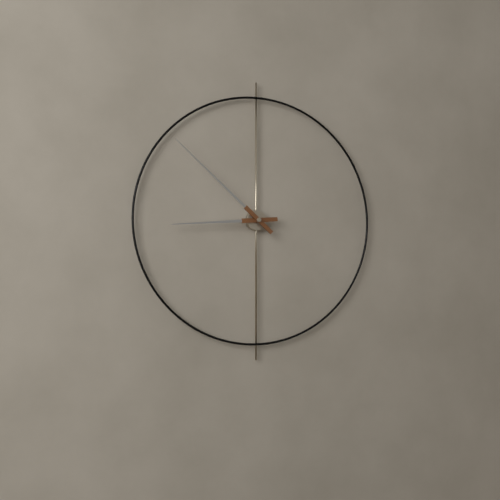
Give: 8:52
